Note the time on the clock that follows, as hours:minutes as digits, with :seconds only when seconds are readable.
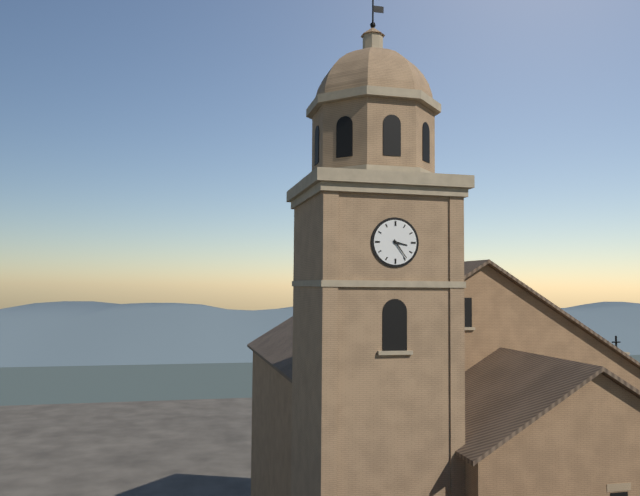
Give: 3:24
